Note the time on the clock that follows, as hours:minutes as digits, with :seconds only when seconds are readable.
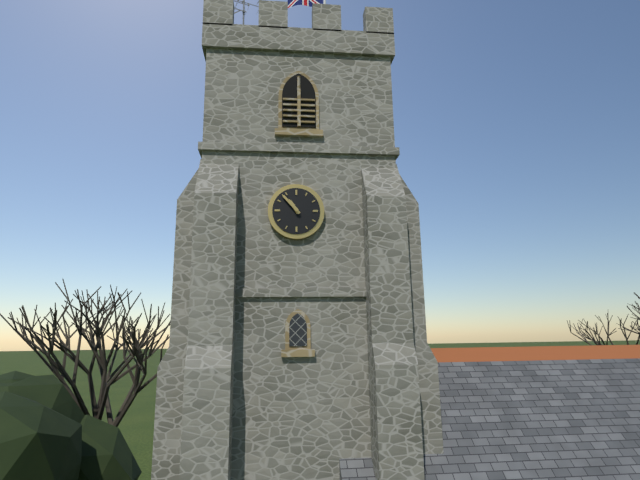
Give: 10:53
